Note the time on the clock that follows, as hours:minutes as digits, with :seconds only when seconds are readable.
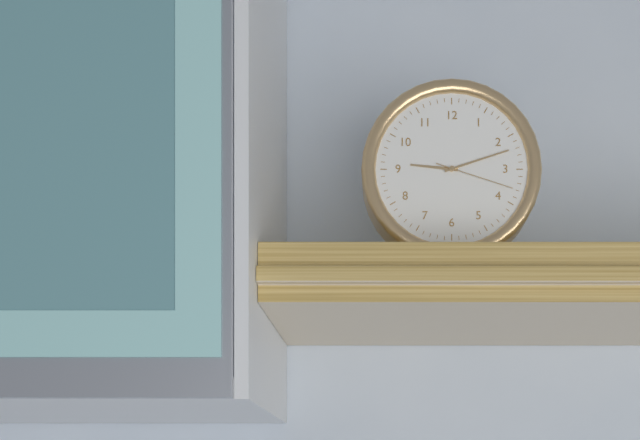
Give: 9:12:18
